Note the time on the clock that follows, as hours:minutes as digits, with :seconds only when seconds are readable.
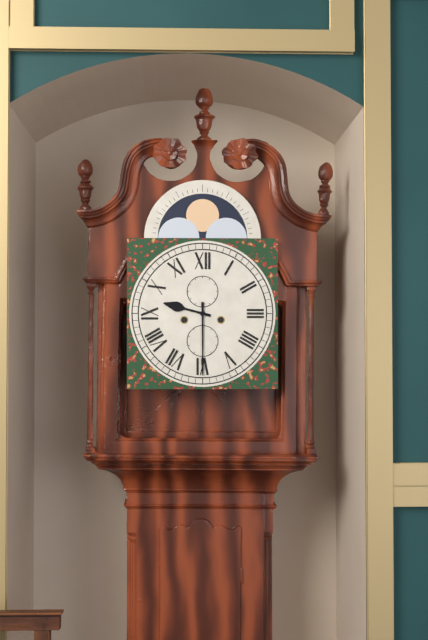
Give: 9:30
